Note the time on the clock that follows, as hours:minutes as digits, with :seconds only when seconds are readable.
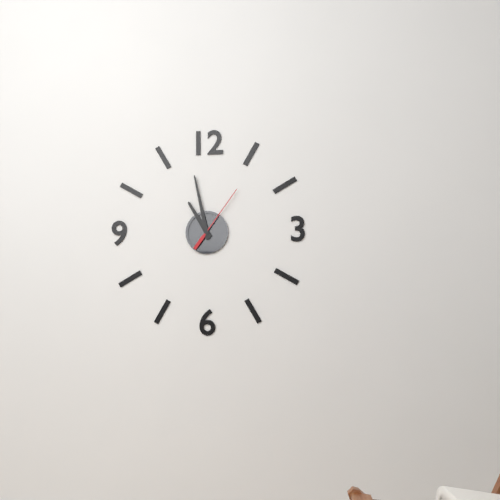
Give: 10:58:06
